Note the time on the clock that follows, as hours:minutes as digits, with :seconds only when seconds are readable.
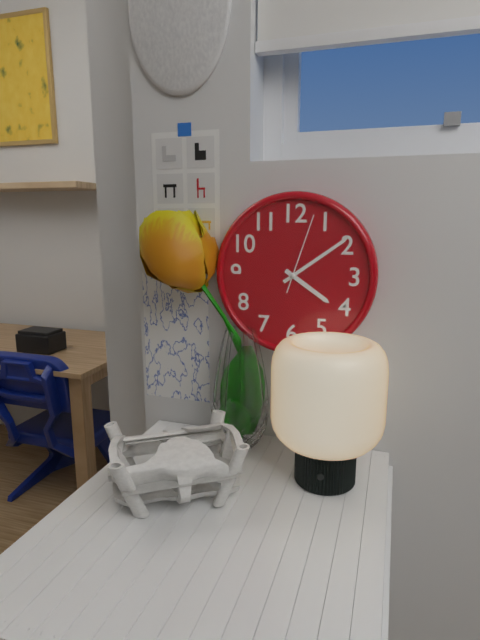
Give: 4:09:03
